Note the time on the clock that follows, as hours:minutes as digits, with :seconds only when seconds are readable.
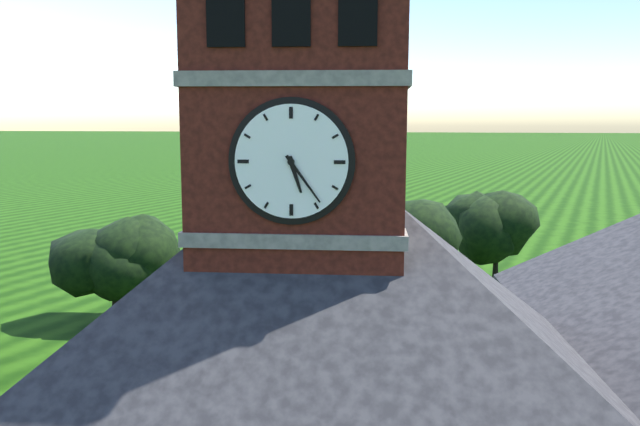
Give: 5:24
